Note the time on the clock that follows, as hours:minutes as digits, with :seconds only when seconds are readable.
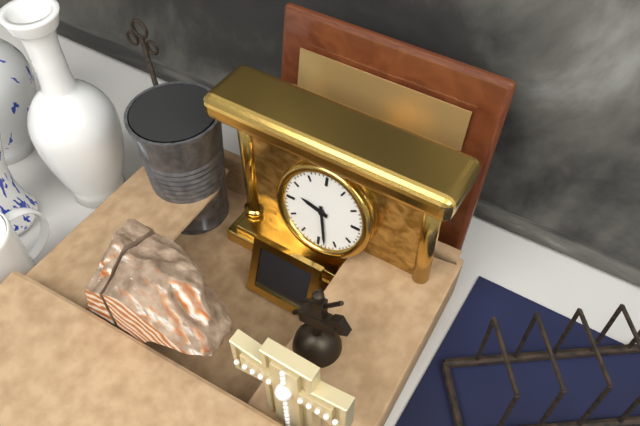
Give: 9:28
